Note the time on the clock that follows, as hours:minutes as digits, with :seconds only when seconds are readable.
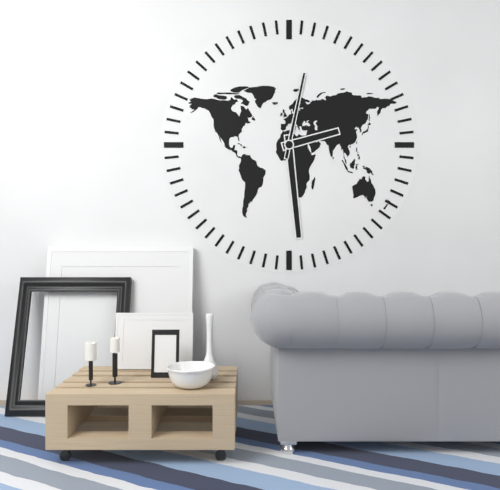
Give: 2:29:02
